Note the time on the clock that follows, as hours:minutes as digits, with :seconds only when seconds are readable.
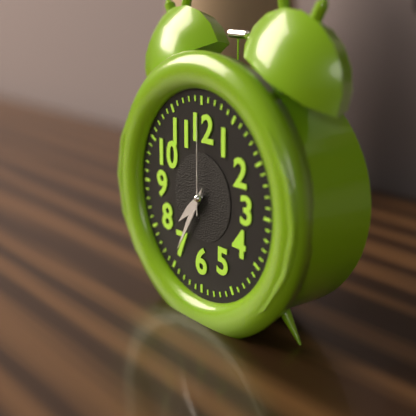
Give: 7:35:00
